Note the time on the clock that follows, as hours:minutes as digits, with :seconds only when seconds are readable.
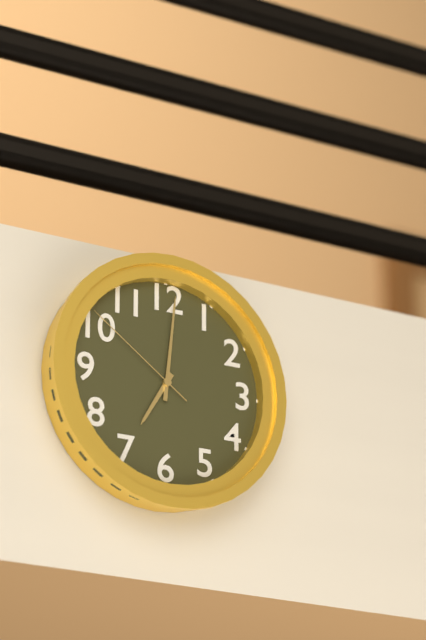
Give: 7:01:51
